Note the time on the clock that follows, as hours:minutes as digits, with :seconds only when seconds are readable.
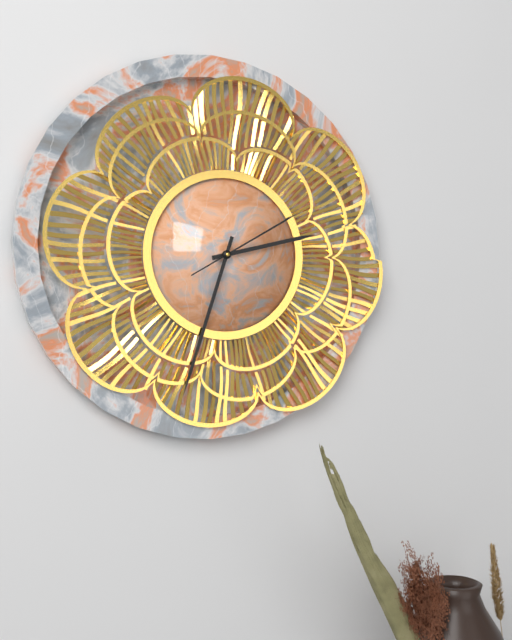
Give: 2:33:10
